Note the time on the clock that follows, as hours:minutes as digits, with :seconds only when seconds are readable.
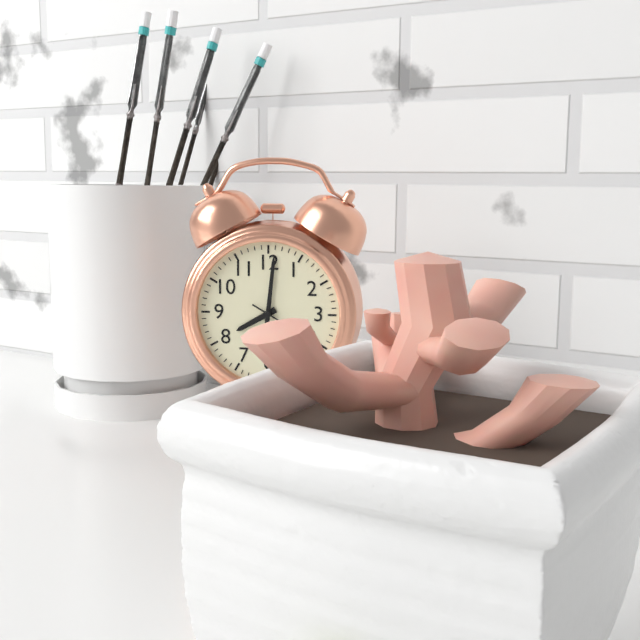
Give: 8:01
